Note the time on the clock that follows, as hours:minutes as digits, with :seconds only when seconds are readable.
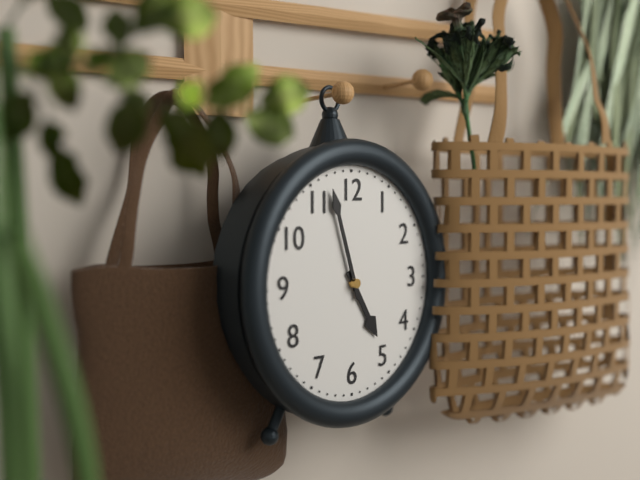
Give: 4:57
